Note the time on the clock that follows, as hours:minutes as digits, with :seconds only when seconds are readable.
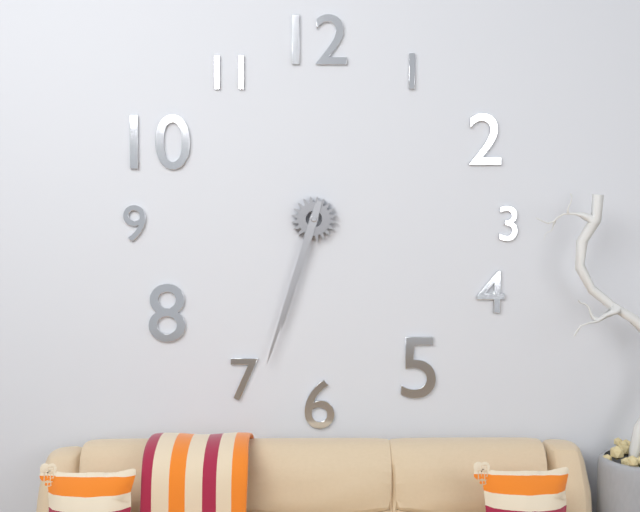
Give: 6:33
